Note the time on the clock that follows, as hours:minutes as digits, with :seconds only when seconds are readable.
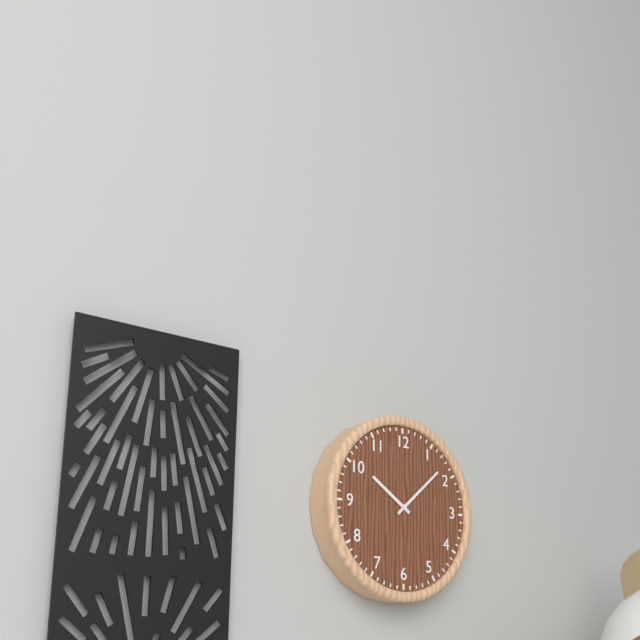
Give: 10:08
